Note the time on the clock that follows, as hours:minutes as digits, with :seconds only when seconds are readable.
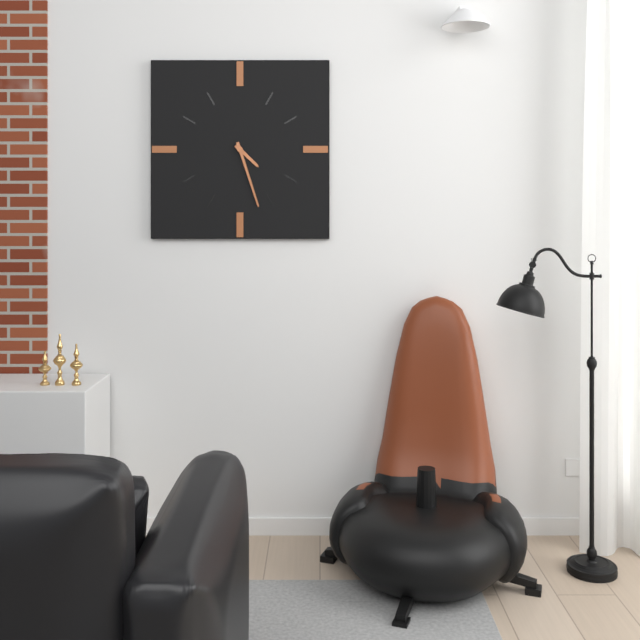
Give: 4:27
